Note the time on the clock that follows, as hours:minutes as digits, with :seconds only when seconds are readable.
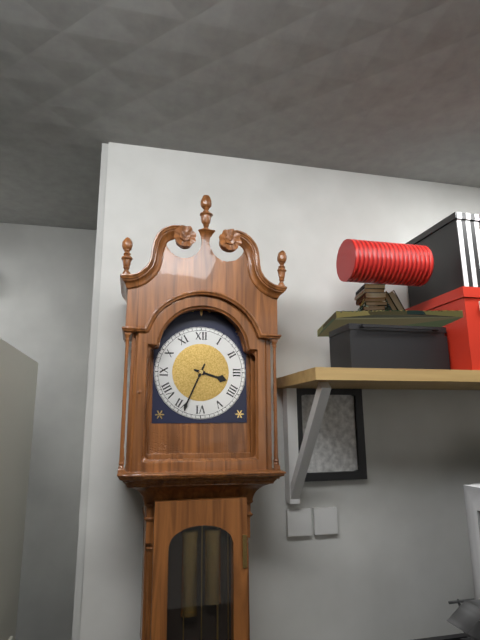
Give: 3:34
